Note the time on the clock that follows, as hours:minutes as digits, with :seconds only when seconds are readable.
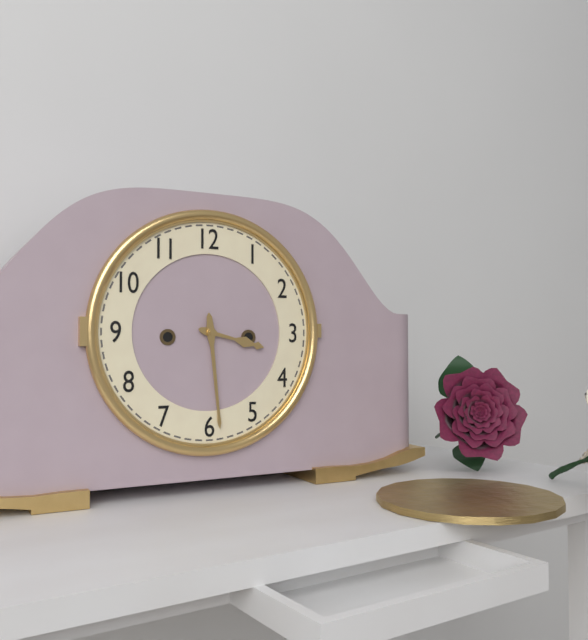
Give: 3:29
